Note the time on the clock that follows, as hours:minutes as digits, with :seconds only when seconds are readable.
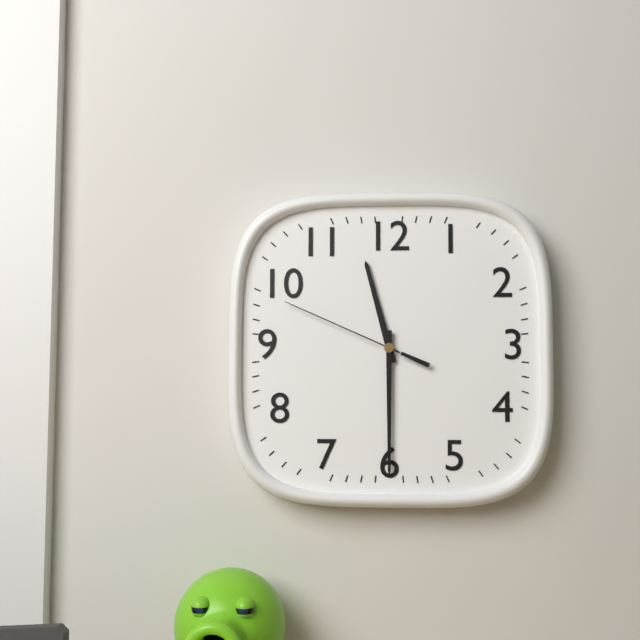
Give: 11:30:49
